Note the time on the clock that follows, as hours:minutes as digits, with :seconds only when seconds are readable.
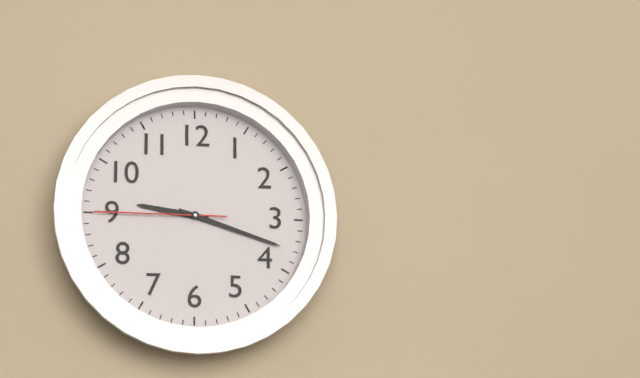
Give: 9:18:45
